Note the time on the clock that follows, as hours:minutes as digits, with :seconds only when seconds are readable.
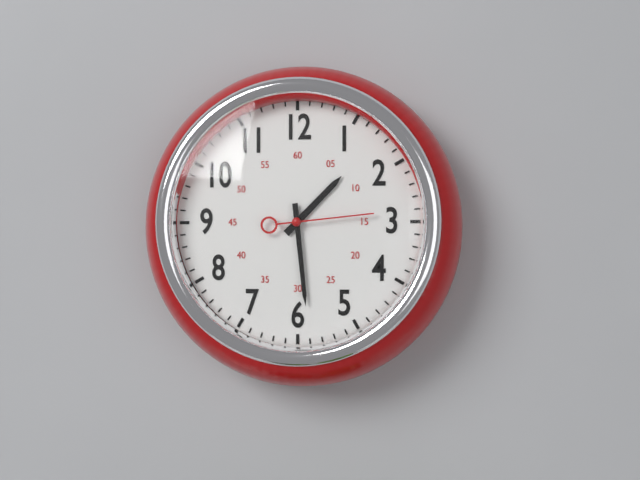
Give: 1:29:14
